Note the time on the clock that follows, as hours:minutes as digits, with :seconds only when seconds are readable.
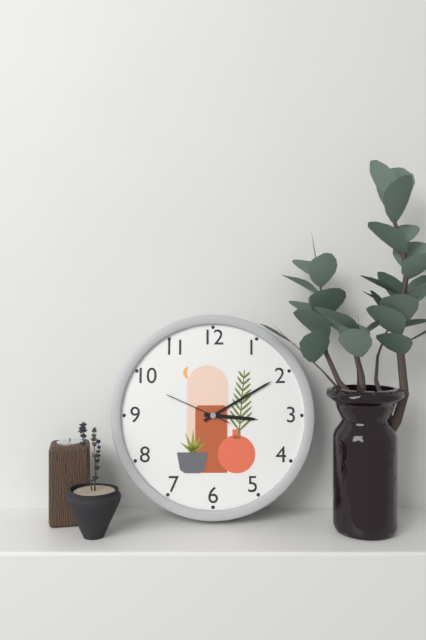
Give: 3:10:49
